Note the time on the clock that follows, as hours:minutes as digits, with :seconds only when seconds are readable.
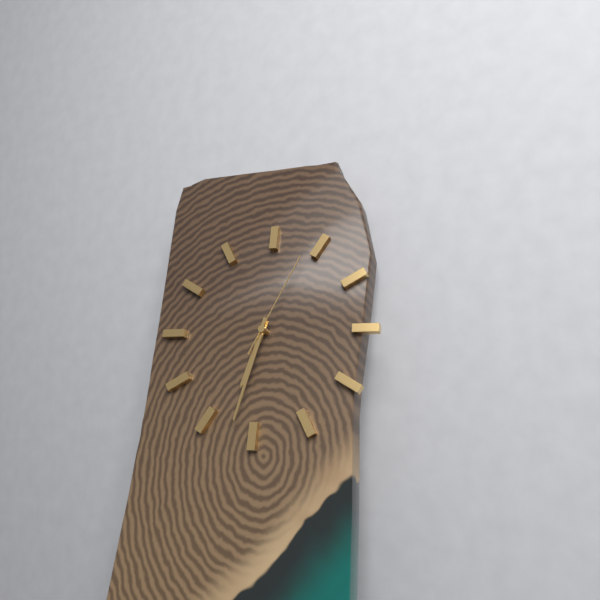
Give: 6:32:04
